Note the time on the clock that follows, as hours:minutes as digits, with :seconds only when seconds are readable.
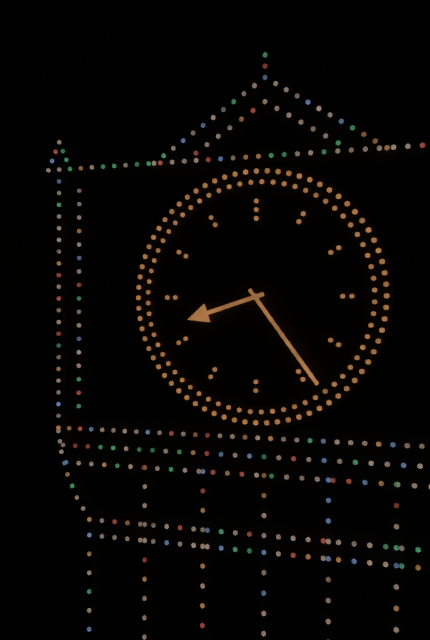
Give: 8:24
